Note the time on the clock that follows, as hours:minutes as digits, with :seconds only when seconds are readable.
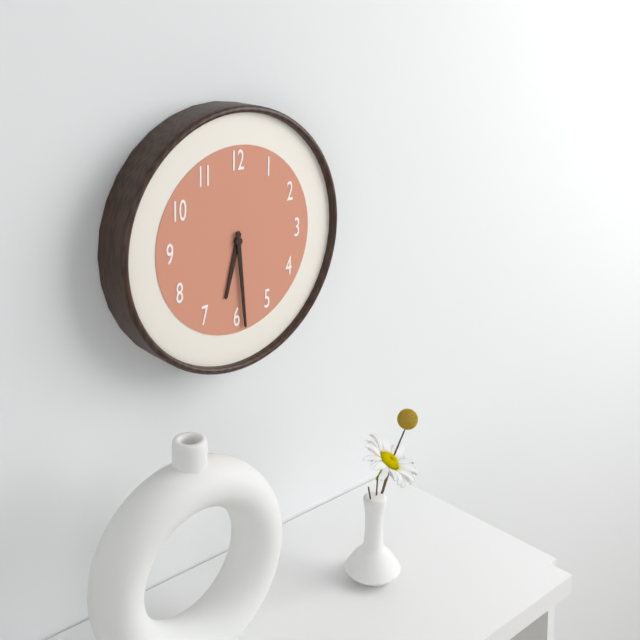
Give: 6:29
